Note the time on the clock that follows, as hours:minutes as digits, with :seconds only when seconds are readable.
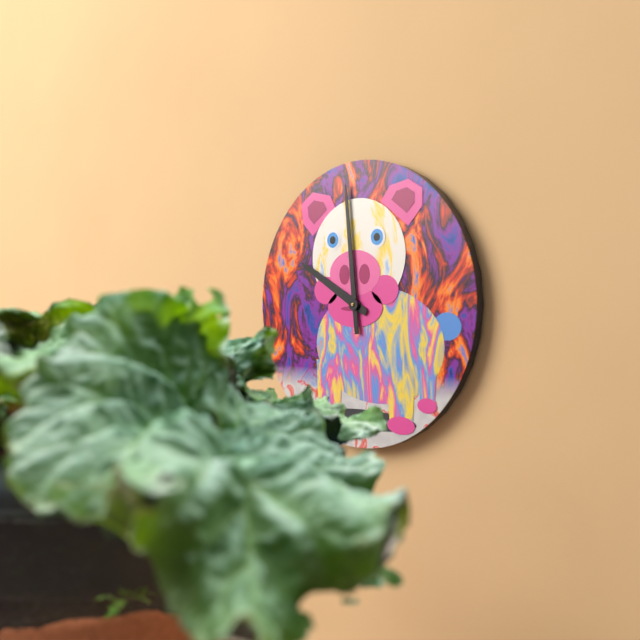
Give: 9:59
